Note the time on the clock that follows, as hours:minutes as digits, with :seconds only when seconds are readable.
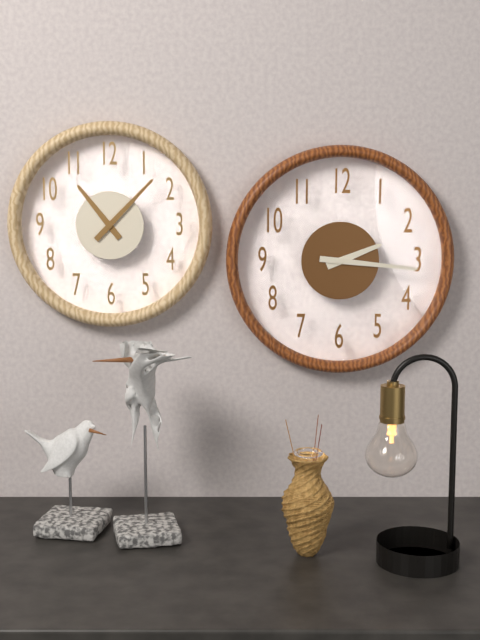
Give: 2:16
